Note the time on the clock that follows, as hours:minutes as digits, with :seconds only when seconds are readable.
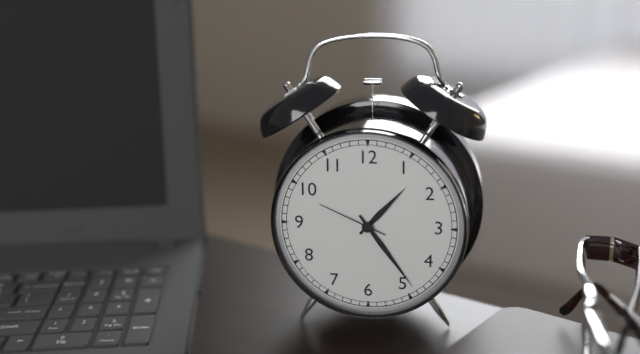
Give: 1:24:49
